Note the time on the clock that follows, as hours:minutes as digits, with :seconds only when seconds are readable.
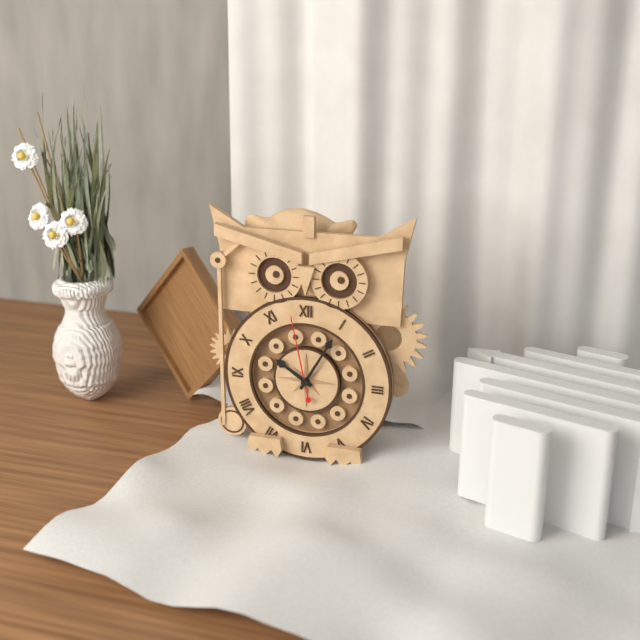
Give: 10:05:58
